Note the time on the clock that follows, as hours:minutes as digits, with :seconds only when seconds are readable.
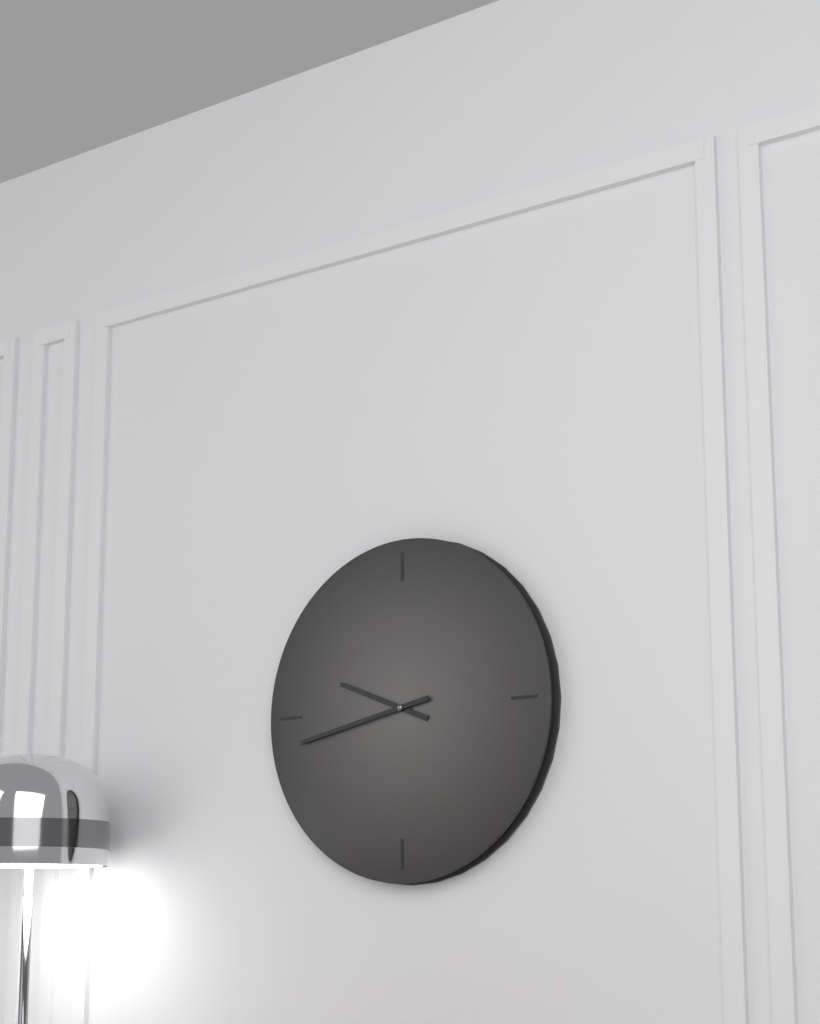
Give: 9:43
